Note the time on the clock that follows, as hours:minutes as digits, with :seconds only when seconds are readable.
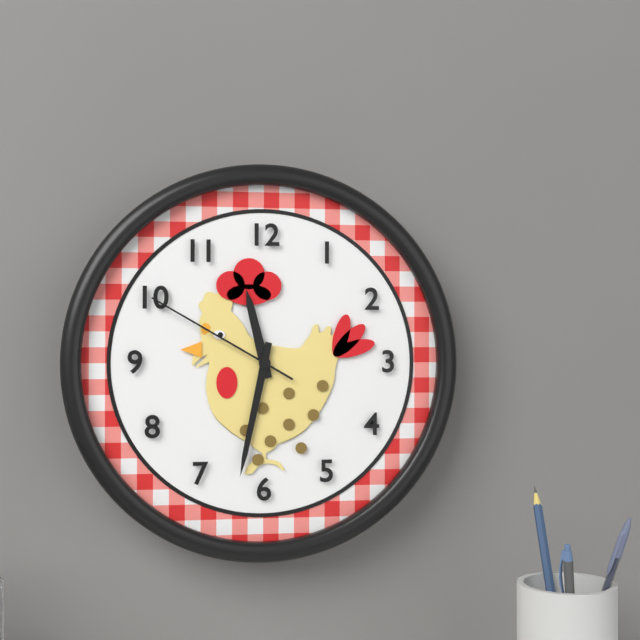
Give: 11:32:50
